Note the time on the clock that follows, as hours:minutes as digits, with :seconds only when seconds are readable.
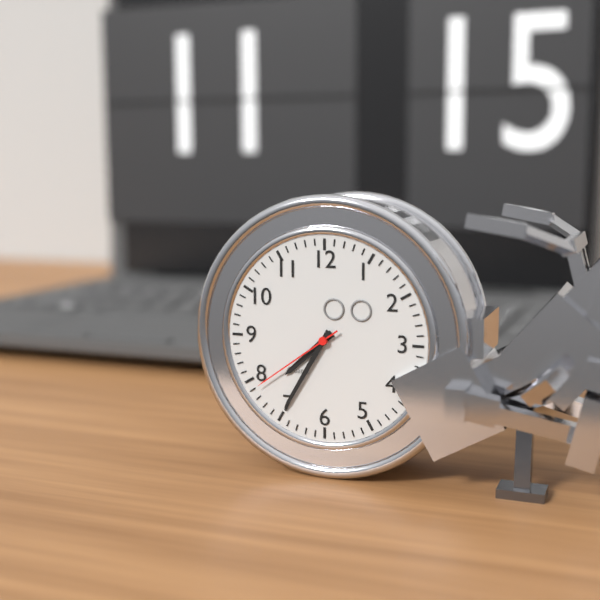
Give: 7:35:39
